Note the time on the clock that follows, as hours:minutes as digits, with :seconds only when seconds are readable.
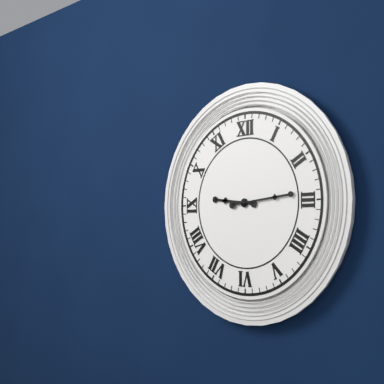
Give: 9:14
